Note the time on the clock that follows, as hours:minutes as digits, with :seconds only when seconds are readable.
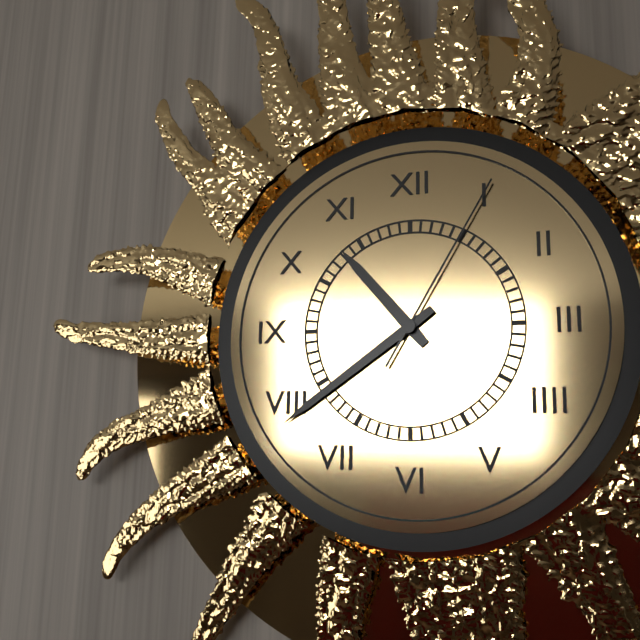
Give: 10:39:05
